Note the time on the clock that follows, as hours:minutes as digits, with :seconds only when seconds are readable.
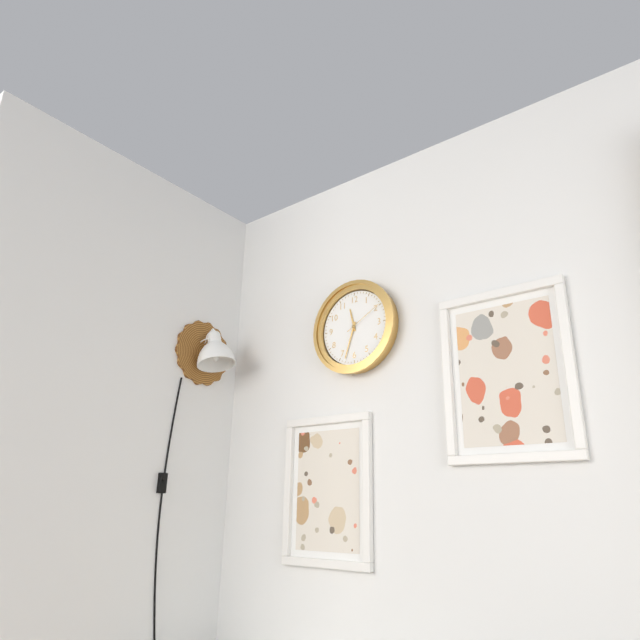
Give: 11:33
